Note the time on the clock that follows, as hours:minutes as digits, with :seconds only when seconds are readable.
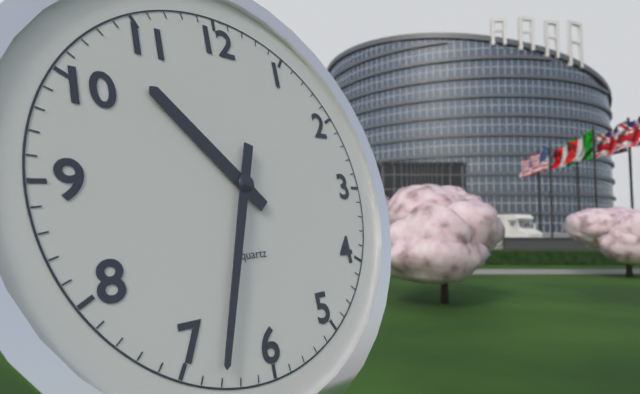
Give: 10:33
